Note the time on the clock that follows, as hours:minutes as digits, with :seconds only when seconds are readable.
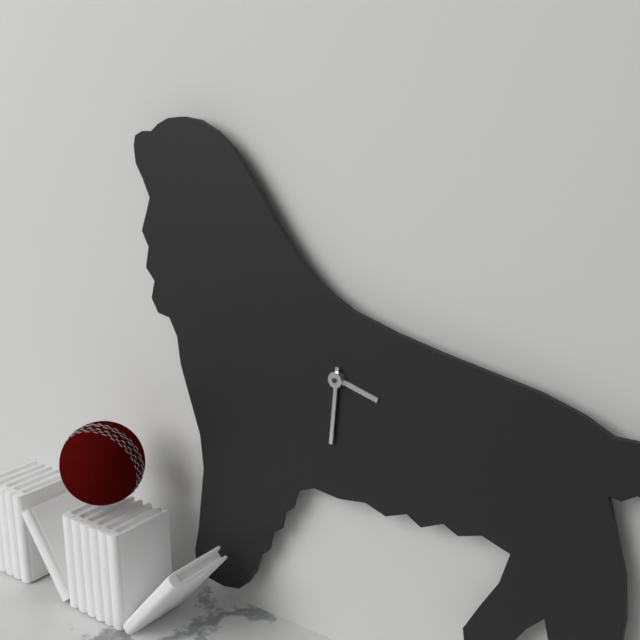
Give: 3:31
